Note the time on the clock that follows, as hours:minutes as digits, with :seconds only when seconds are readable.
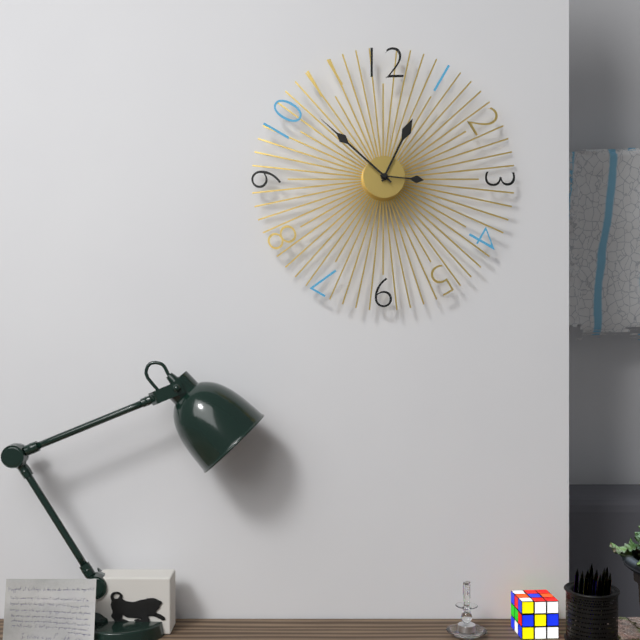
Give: 12:52:16
